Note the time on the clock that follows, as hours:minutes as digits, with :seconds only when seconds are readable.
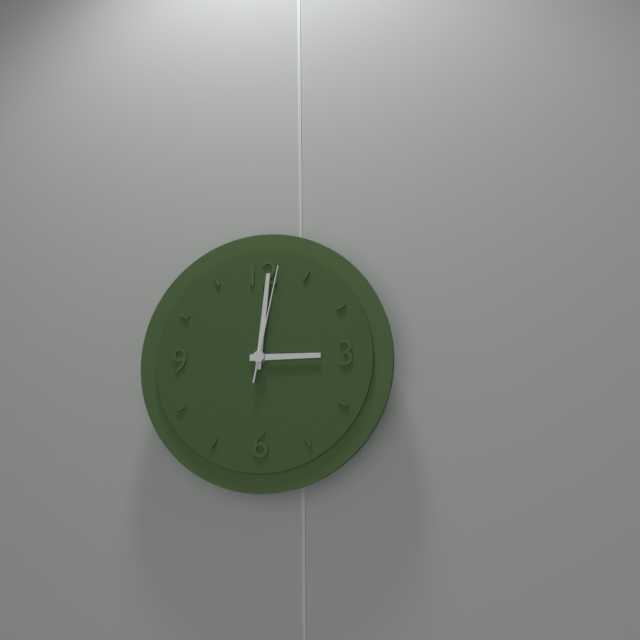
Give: 3:01:02
